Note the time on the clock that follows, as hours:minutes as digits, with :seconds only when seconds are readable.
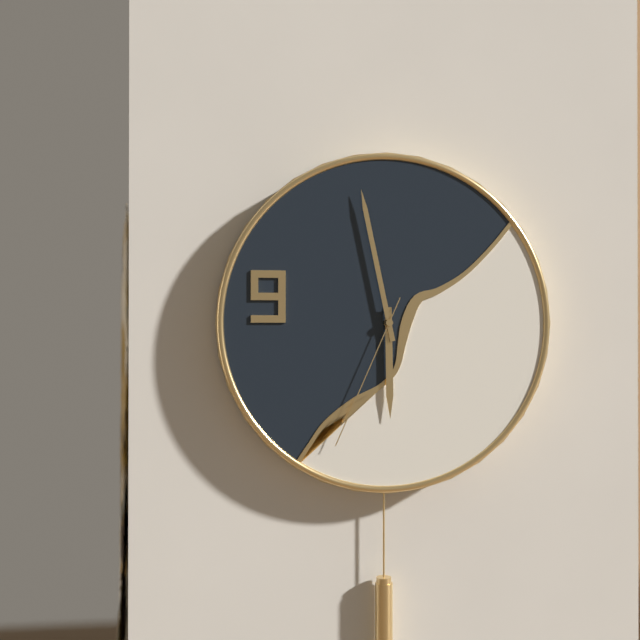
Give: 5:58:34
